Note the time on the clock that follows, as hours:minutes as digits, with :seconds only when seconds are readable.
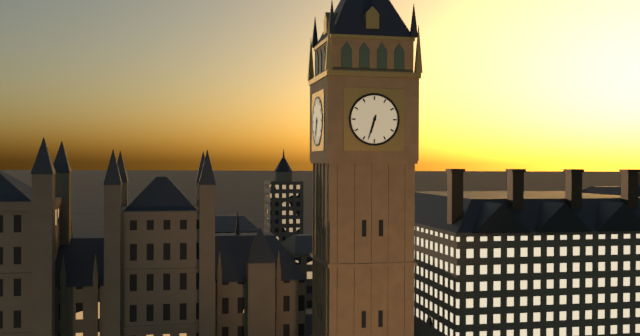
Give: 6:33
